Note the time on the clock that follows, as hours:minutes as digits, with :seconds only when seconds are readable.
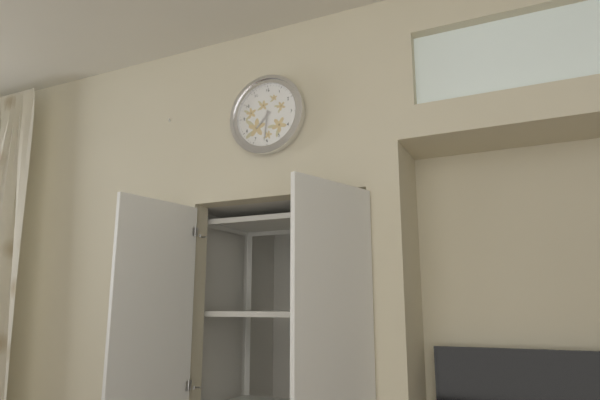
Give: 7:31
